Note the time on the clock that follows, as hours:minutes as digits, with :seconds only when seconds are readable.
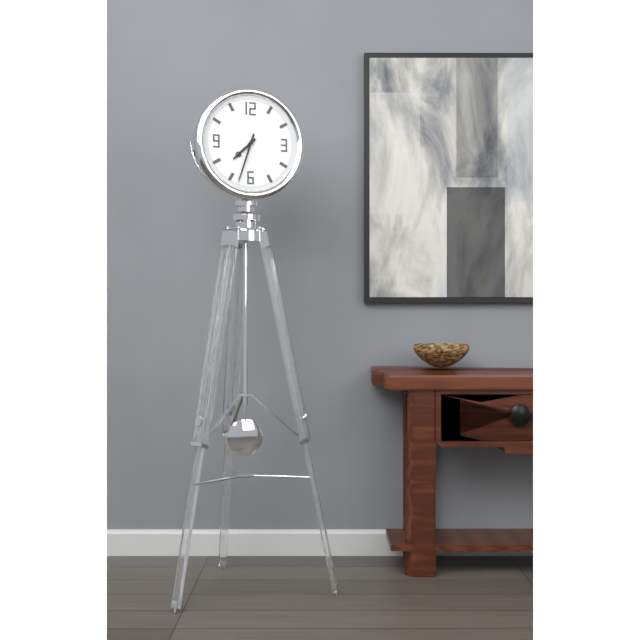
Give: 7:33
